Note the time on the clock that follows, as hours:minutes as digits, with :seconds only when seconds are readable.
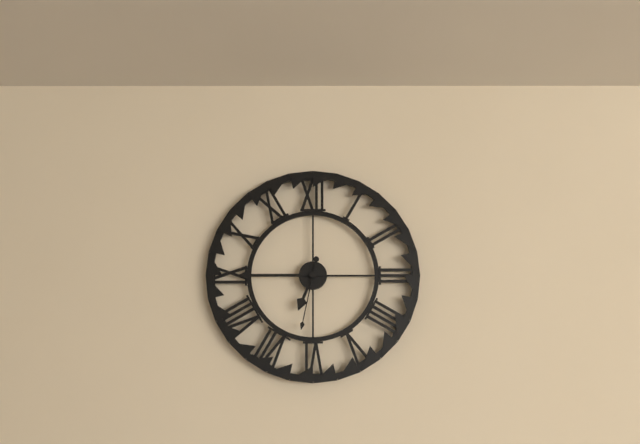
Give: 6:45:32
